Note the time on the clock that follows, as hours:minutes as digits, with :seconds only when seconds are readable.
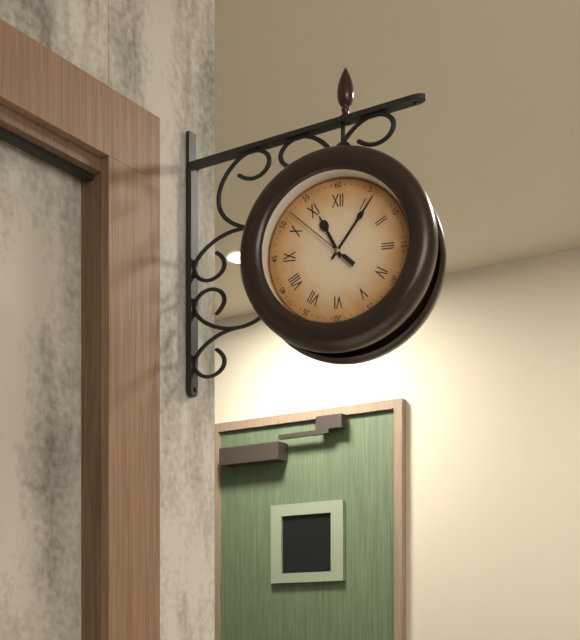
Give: 11:06:52
